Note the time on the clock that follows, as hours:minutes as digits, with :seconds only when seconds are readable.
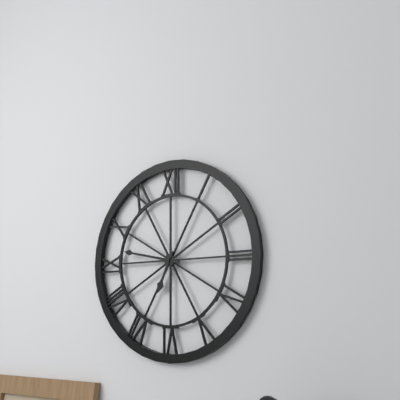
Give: 6:47
